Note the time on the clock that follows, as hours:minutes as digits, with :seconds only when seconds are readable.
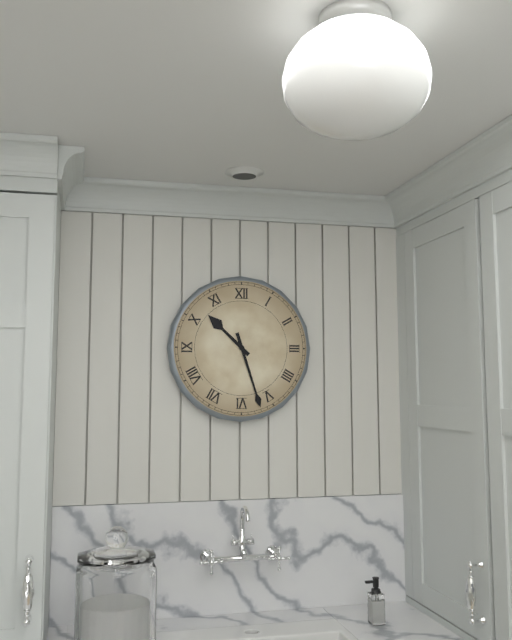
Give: 10:27
